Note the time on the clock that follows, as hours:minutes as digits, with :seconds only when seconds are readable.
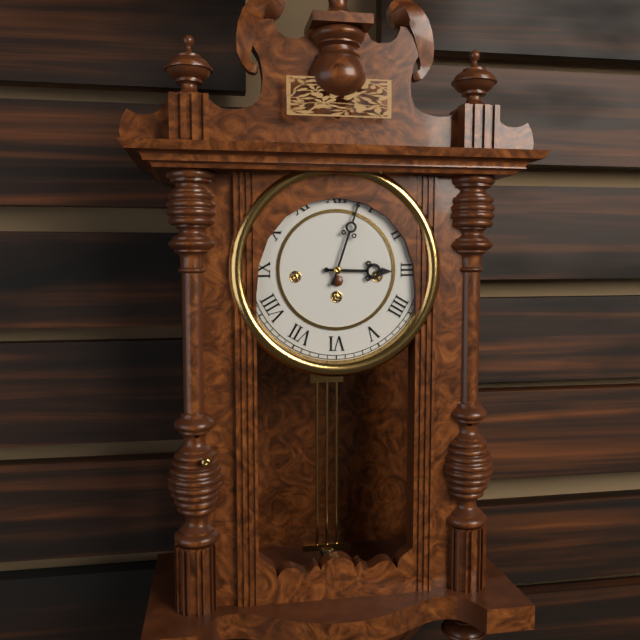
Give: 3:03
